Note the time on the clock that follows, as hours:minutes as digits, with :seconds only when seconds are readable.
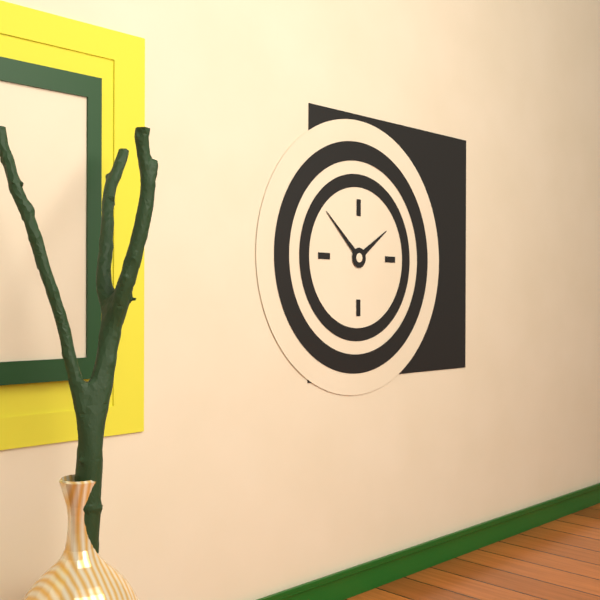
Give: 1:52
